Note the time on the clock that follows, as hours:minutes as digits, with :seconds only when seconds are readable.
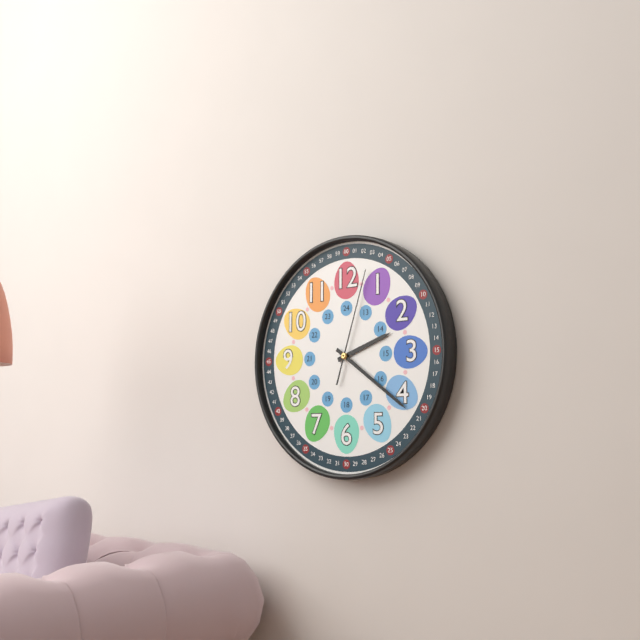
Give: 2:21:03
